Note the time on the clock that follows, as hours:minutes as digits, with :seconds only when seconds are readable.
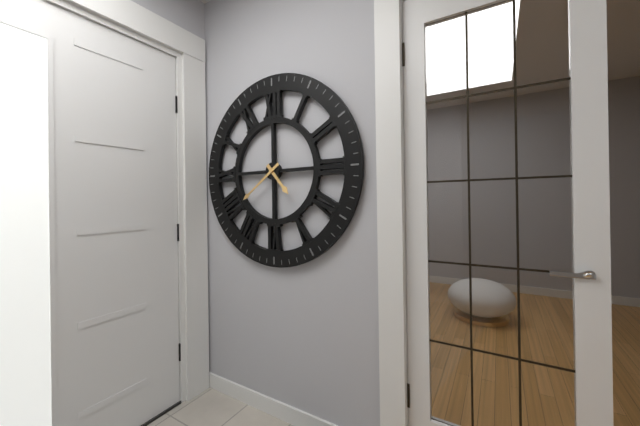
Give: 4:39
